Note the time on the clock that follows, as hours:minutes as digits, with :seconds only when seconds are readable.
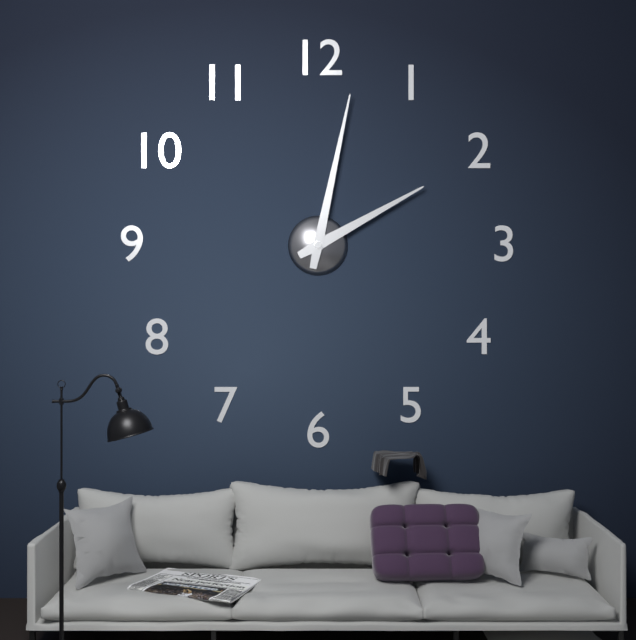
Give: 2:02
